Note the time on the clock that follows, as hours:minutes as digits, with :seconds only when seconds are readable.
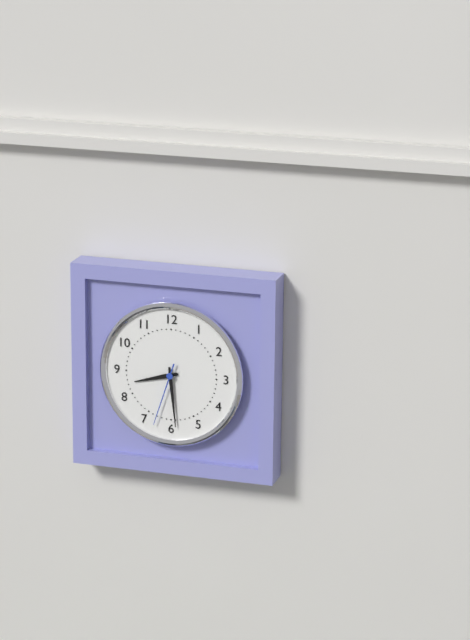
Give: 8:29:33
